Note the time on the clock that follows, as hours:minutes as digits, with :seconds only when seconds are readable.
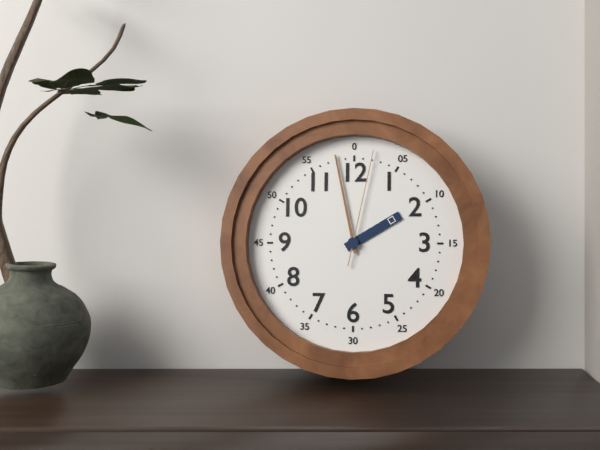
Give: 1:58:02
